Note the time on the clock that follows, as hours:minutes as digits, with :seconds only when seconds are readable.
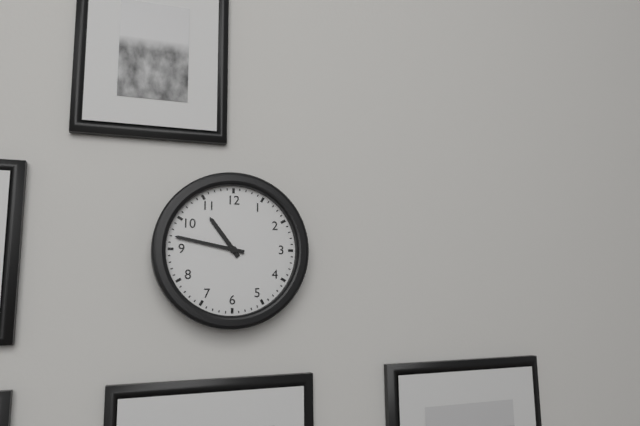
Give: 10:47
